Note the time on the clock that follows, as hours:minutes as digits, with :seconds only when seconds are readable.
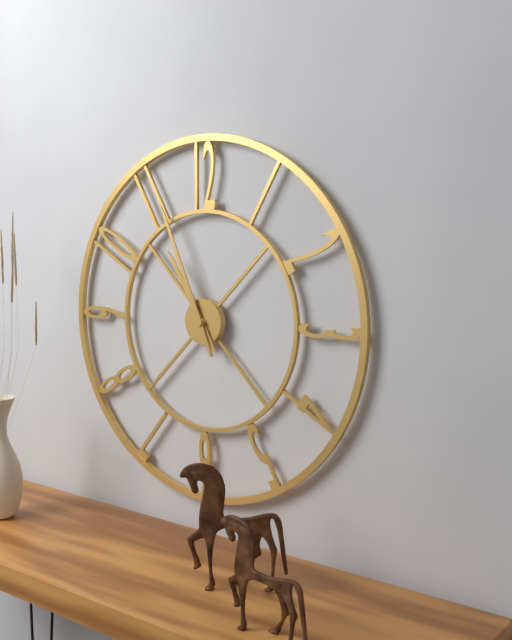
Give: 10:56
